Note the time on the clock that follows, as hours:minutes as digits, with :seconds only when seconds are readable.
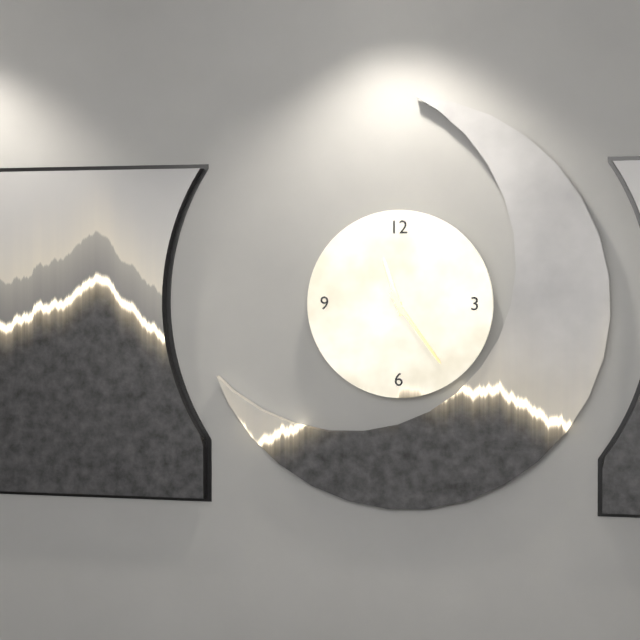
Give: 11:24
